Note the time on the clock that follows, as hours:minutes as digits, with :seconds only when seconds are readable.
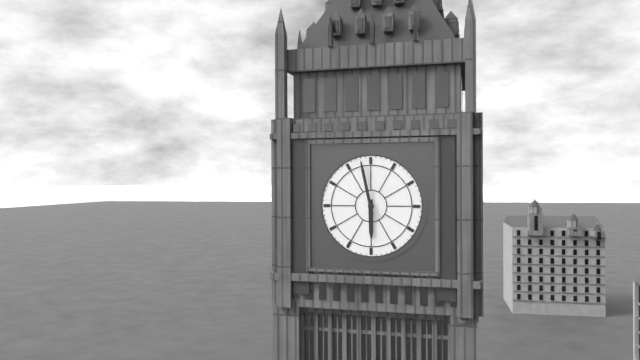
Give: 5:58
